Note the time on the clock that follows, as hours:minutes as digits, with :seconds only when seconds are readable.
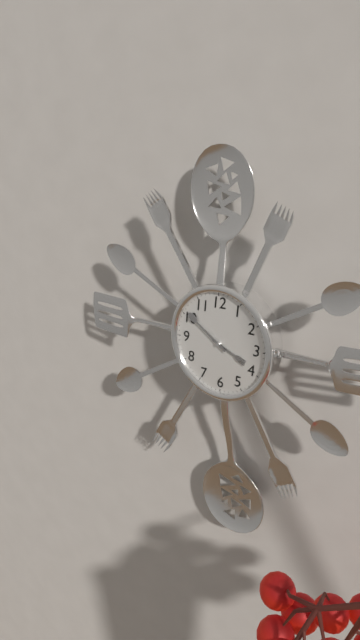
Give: 3:51
